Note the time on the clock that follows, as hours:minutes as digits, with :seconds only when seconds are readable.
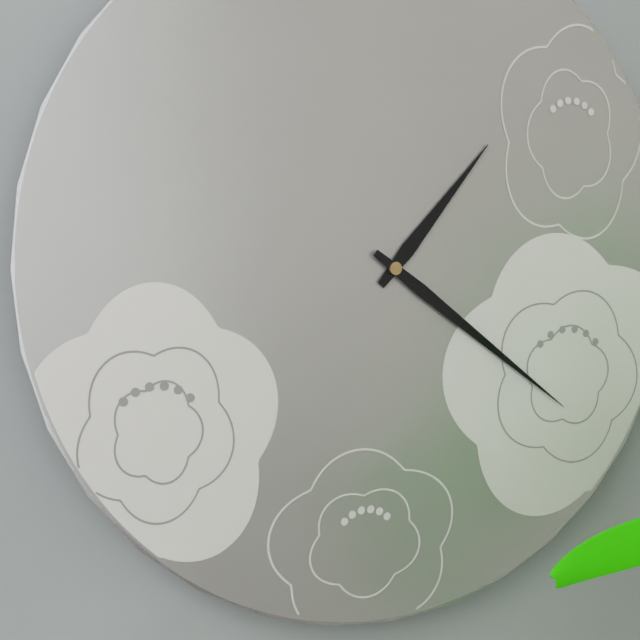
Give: 1:21
